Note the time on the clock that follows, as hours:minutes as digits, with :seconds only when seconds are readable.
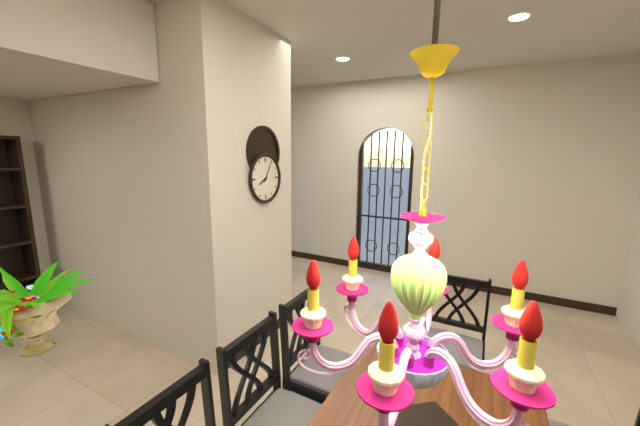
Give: 8:05
